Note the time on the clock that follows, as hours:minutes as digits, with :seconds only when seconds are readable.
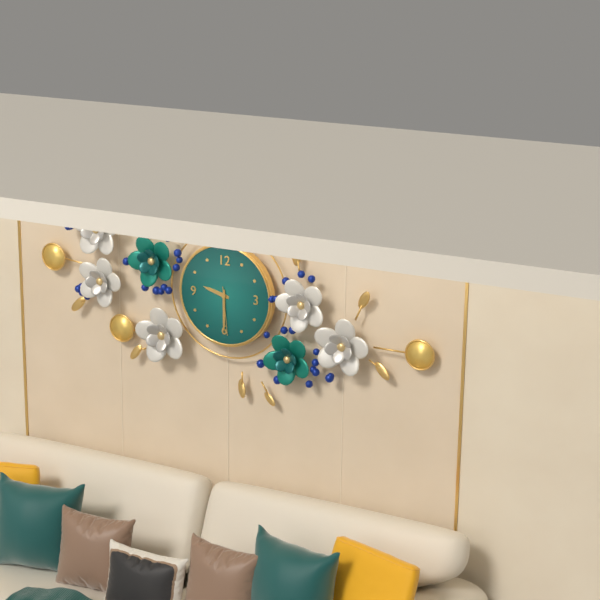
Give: 9:30
